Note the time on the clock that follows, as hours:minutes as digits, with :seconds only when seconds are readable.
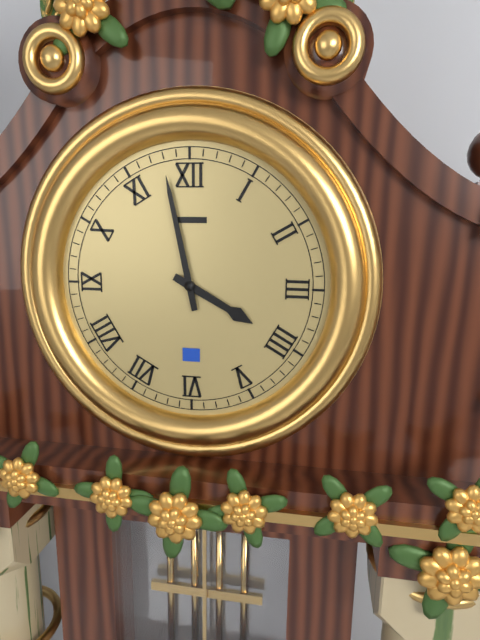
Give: 3:58
